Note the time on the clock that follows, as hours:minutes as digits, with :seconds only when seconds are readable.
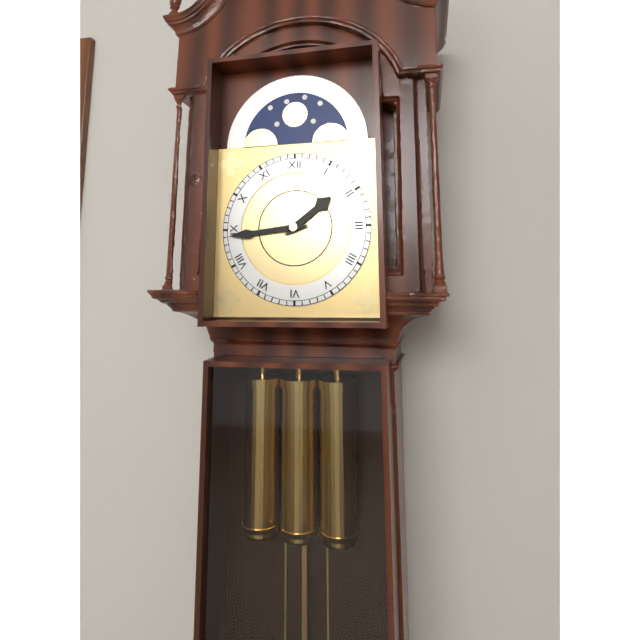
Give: 1:44
